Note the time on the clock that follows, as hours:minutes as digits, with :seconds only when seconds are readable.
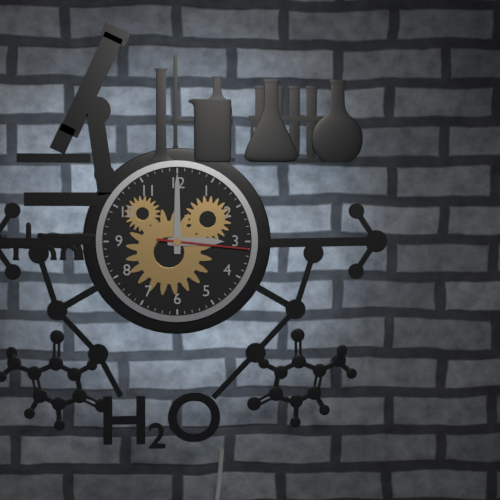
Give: 3:00:16
